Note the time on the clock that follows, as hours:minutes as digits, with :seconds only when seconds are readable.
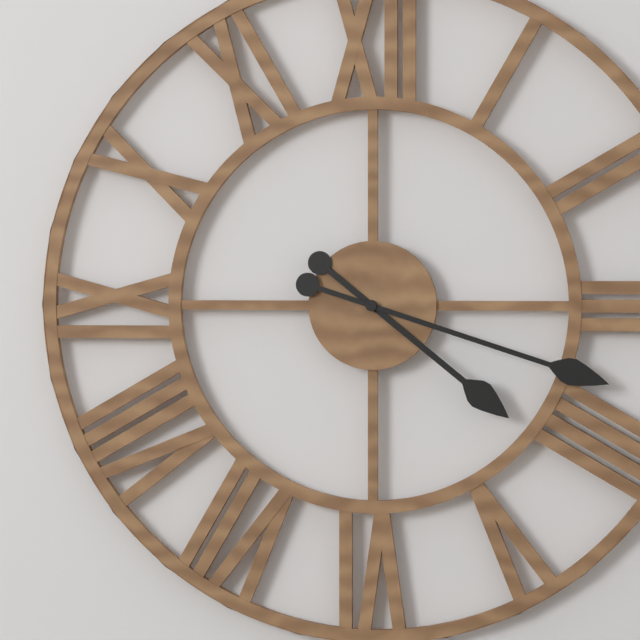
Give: 4:18
